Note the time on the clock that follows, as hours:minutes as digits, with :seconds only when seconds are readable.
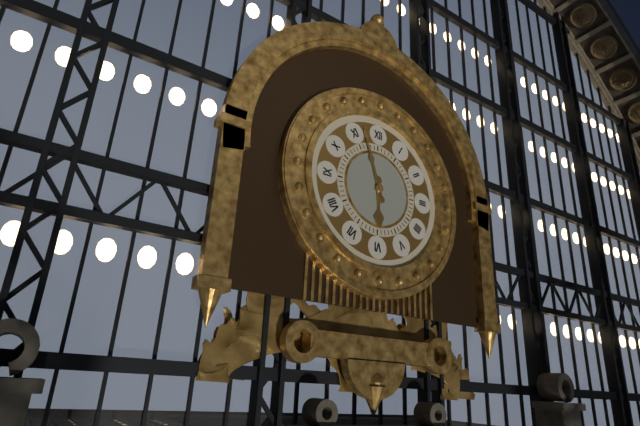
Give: 5:57
